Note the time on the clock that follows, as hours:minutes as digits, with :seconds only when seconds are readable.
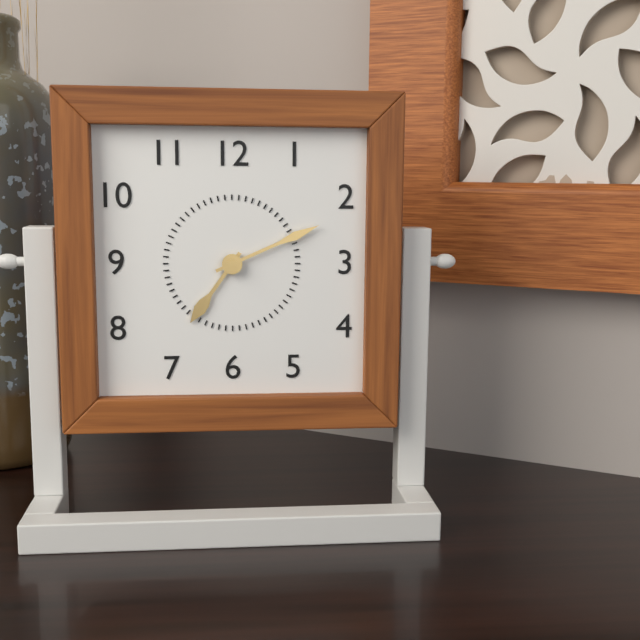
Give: 7:11
